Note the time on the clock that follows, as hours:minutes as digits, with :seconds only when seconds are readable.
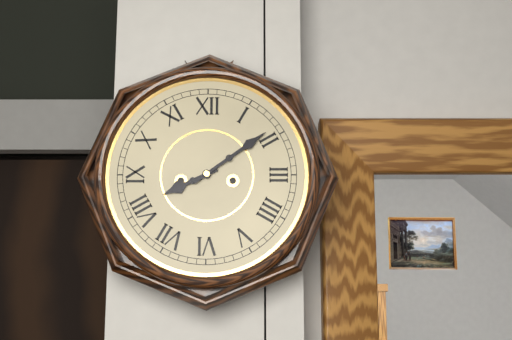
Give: 8:09
